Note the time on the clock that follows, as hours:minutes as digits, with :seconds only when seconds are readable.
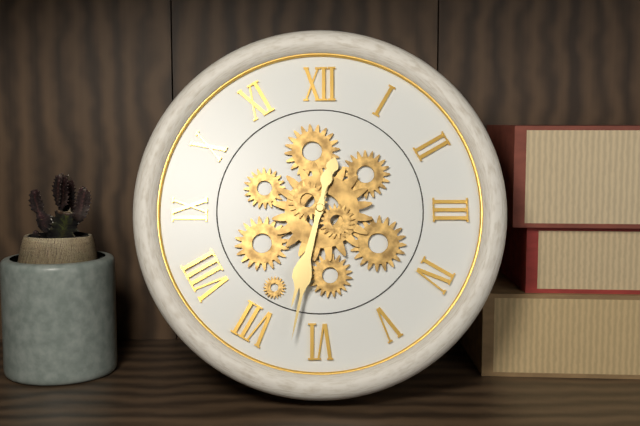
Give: 6:32
